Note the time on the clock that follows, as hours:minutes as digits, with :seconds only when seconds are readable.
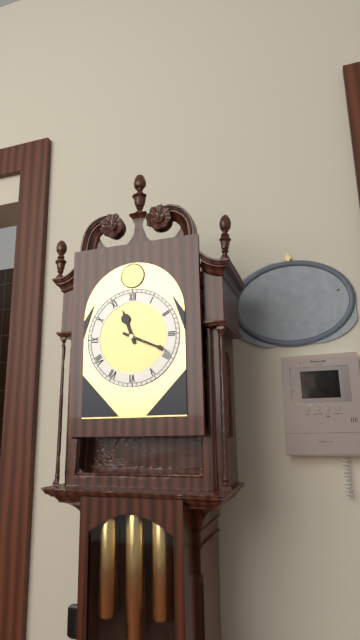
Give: 11:19
